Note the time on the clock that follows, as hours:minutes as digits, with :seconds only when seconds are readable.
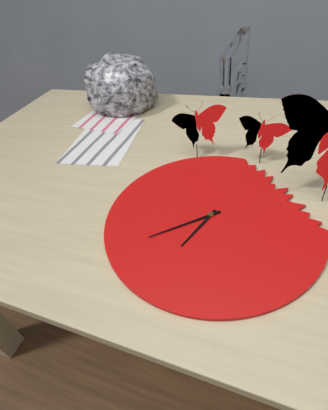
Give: 6:38
